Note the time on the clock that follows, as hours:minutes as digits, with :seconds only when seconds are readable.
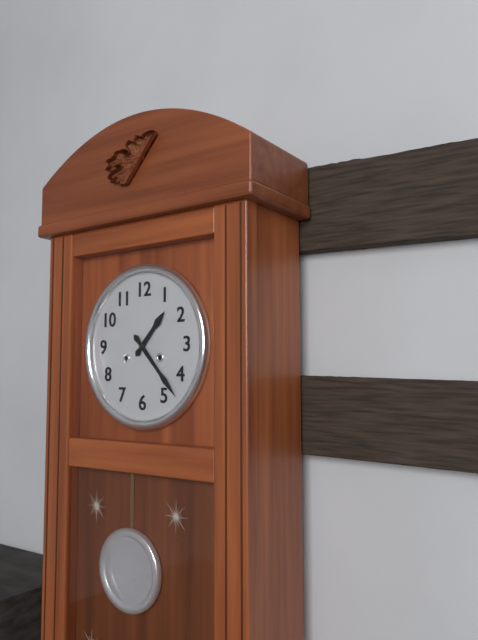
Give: 1:23
